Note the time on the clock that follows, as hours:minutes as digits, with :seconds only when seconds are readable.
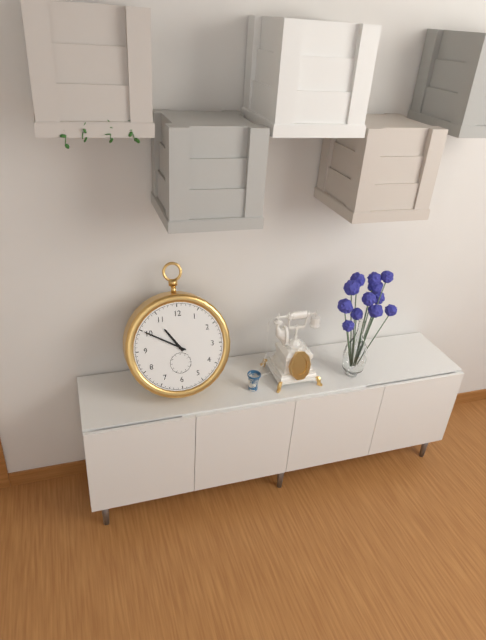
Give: 10:50
